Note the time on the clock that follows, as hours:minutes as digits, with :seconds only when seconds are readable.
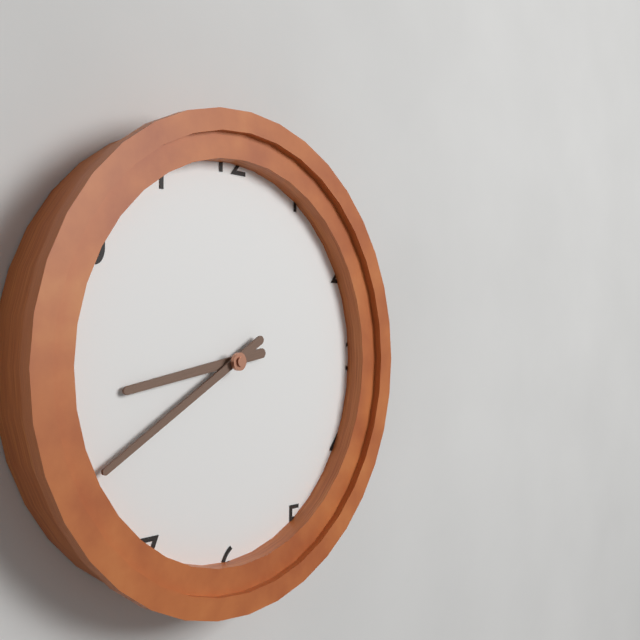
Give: 8:40
